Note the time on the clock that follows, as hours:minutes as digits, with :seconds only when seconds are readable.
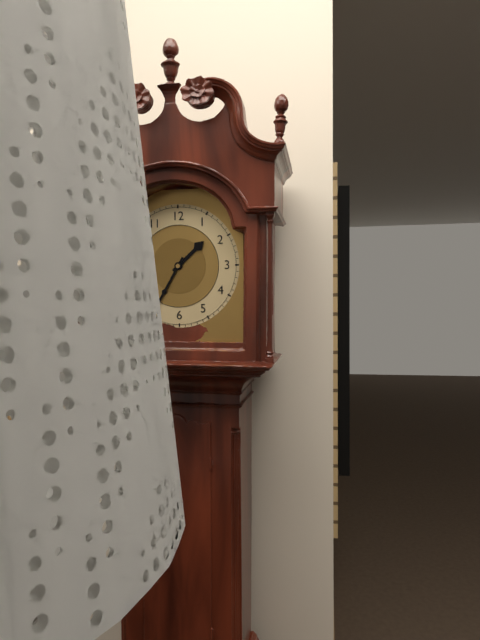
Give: 1:35
